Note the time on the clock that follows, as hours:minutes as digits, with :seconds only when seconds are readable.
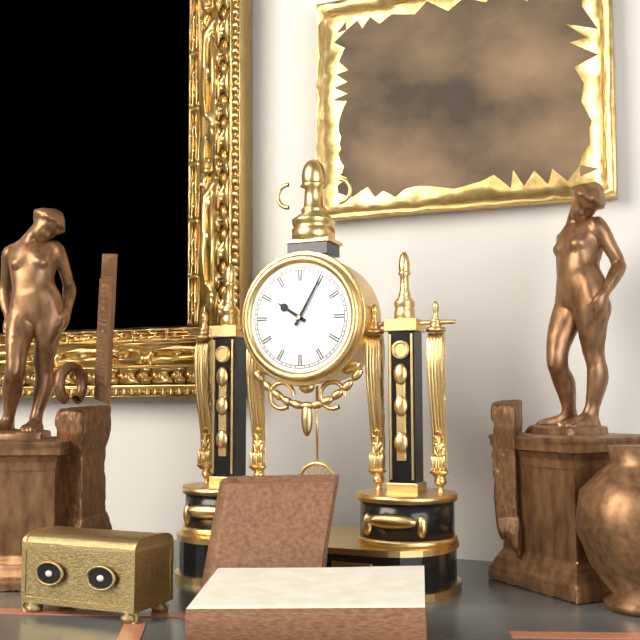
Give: 10:05
